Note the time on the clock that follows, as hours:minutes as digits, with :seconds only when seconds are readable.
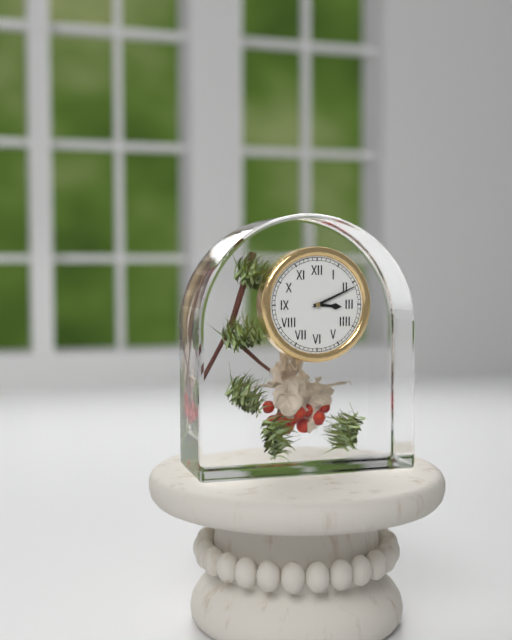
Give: 3:11
